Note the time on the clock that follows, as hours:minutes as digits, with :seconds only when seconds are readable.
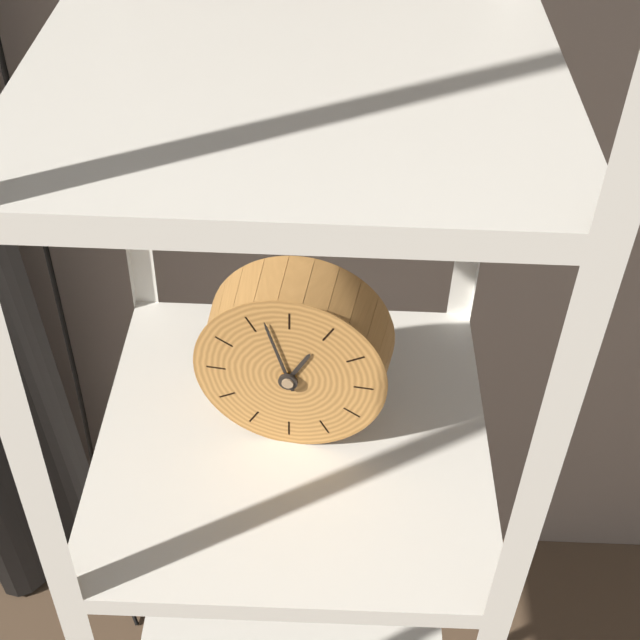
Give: 12:57
